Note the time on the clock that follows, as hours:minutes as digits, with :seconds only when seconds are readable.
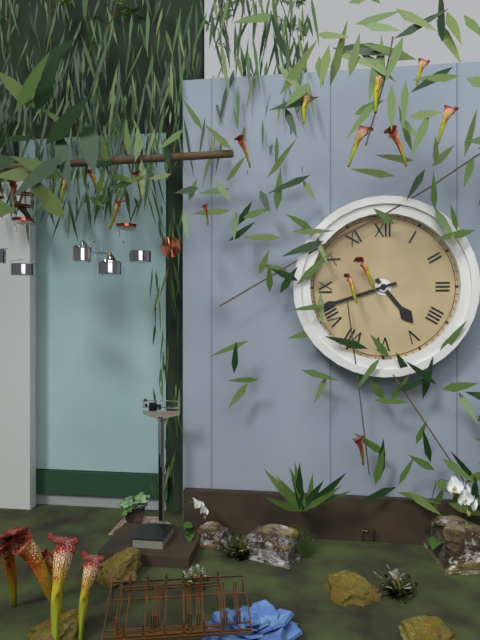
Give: 4:42
